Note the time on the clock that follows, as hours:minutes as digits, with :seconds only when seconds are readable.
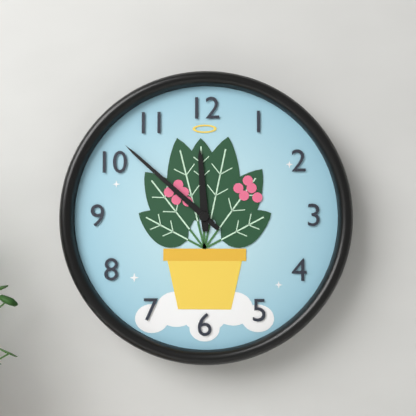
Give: 11:52
